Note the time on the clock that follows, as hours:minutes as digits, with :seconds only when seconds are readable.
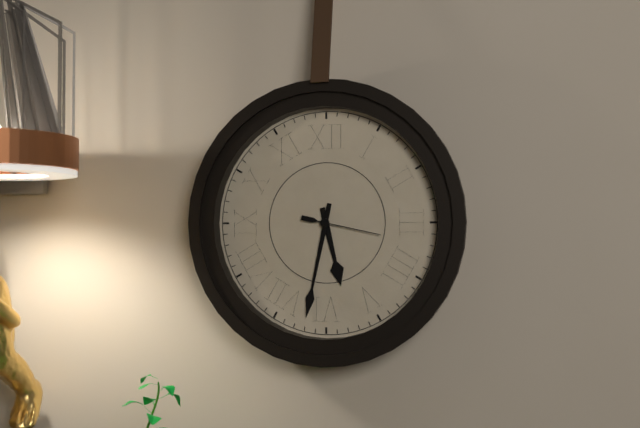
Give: 5:32:17
